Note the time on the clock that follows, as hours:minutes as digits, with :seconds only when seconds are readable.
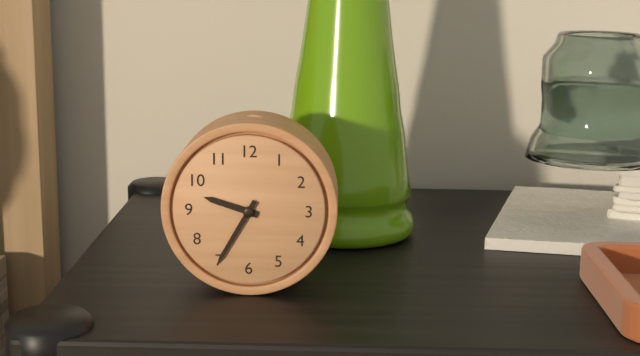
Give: 9:35
